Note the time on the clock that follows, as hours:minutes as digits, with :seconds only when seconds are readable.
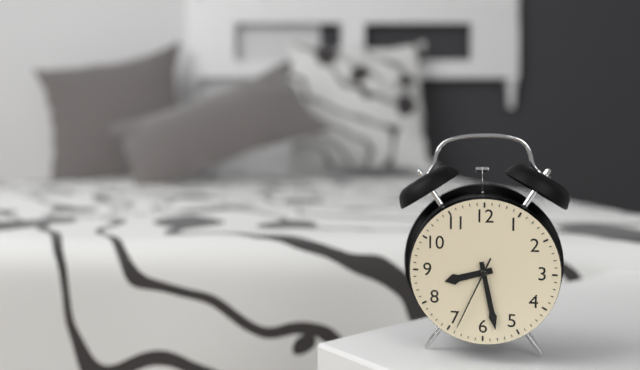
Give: 8:28:34
